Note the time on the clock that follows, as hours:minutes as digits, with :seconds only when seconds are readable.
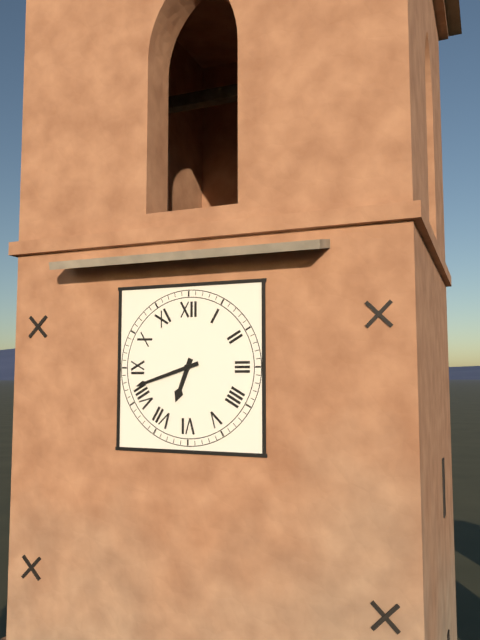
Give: 6:42
